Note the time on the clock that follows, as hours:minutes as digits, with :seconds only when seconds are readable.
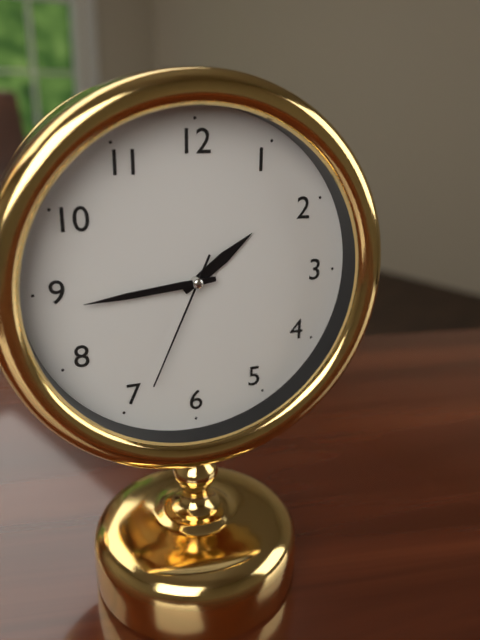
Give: 1:44:34
